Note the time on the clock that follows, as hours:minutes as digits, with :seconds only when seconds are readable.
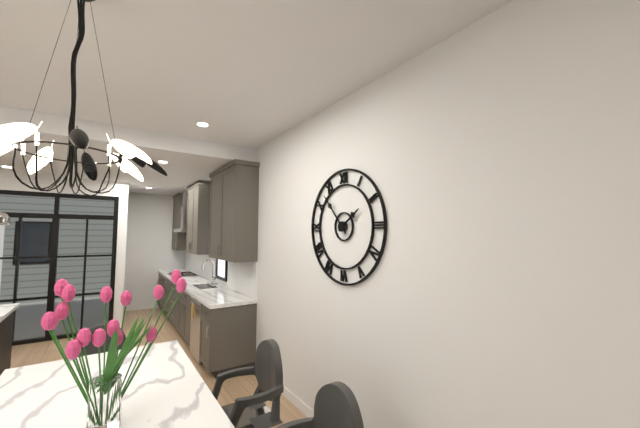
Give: 1:53
